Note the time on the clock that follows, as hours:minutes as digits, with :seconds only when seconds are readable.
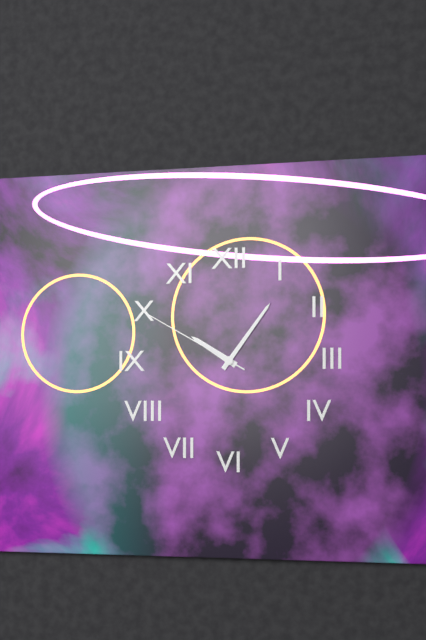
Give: 10:06:50
